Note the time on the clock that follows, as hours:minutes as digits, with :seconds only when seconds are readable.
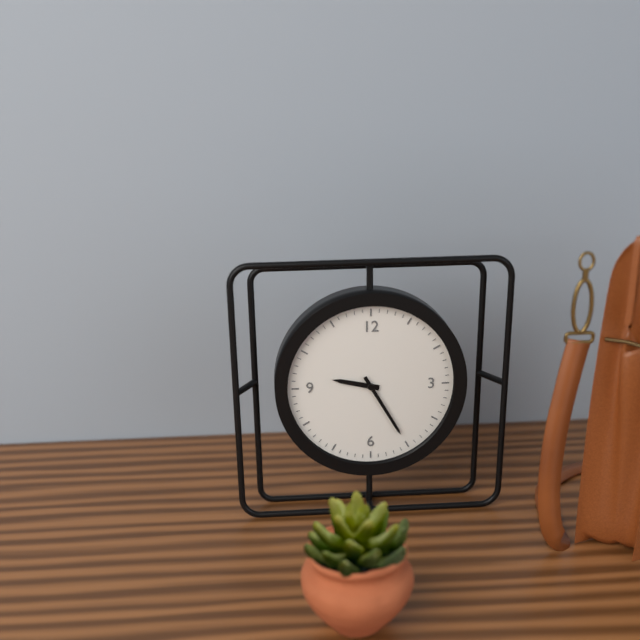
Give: 9:25
